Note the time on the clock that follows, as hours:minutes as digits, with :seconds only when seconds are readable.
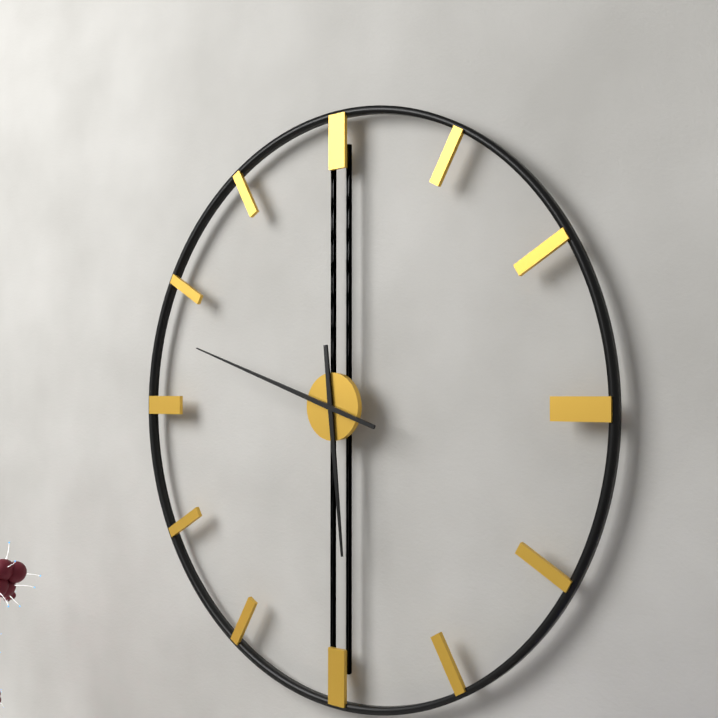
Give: 5:48
